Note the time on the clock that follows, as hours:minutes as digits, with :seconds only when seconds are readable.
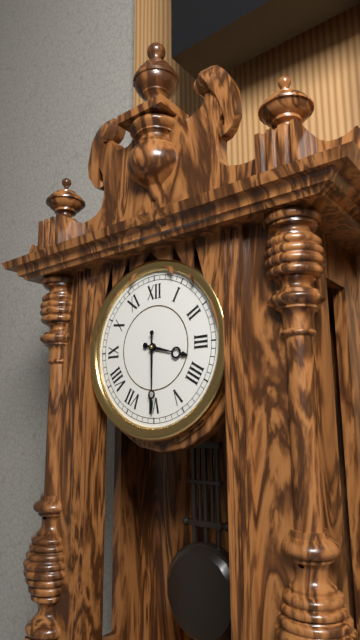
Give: 3:30
